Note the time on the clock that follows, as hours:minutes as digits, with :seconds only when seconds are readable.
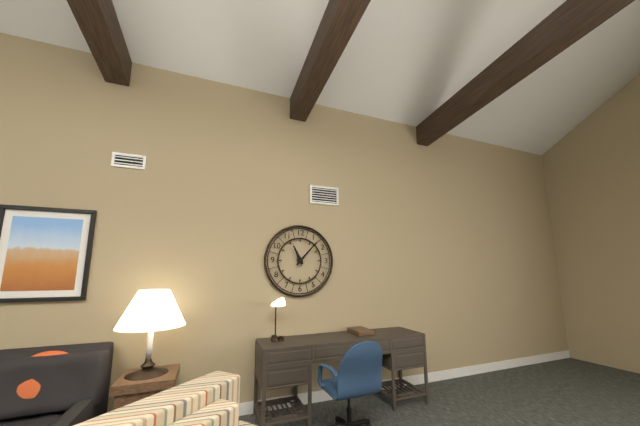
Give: 11:07
